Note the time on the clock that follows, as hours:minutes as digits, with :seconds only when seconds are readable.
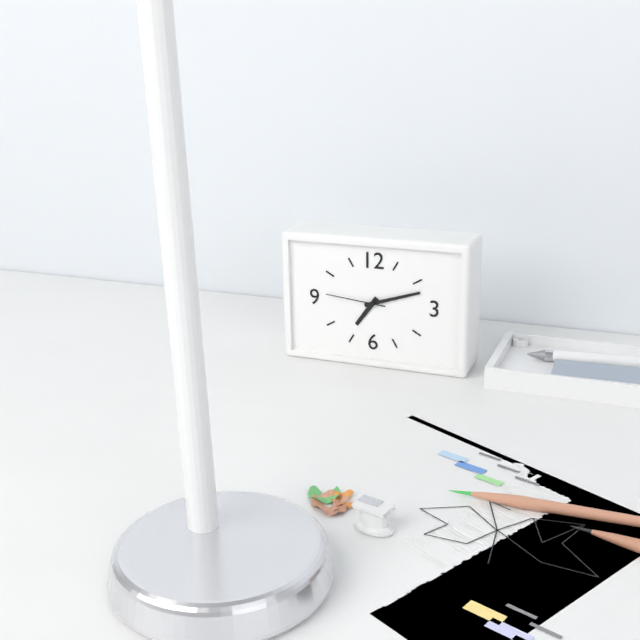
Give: 7:12:46
